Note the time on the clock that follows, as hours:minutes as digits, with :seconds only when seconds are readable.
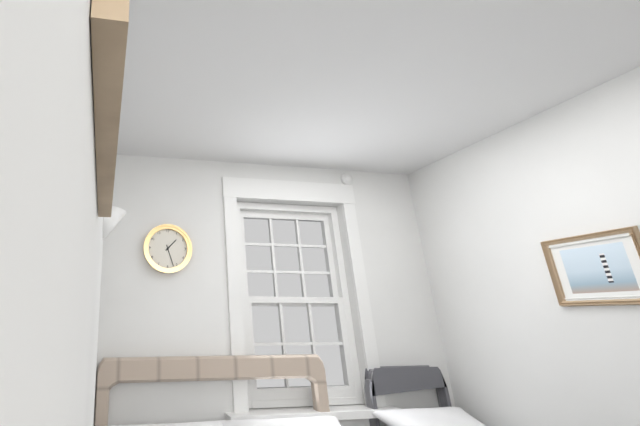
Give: 1:27
